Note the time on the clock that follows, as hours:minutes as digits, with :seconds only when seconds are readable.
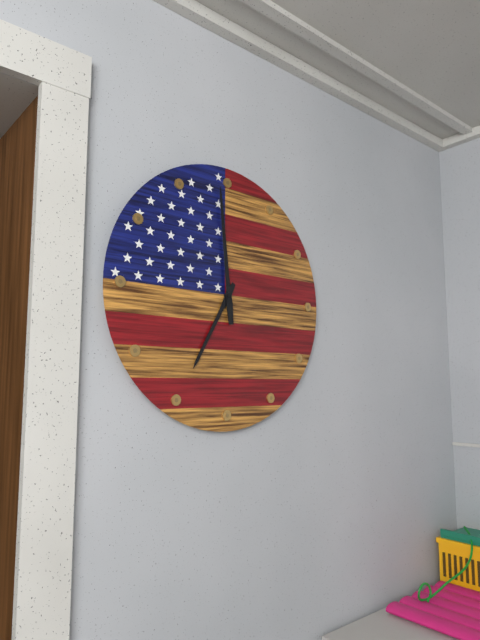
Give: 6:59
